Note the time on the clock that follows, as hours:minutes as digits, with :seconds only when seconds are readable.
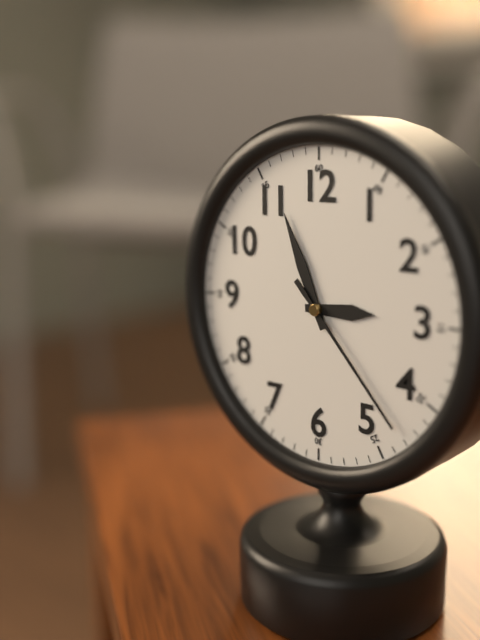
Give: 2:56:23
